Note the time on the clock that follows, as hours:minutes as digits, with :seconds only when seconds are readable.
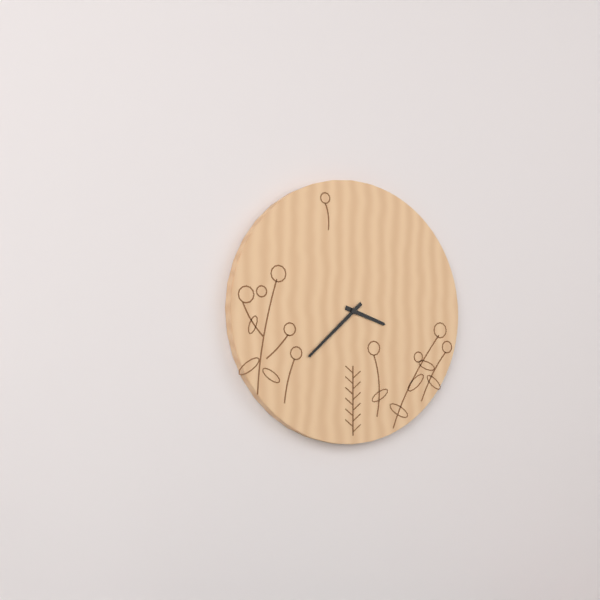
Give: 3:38
